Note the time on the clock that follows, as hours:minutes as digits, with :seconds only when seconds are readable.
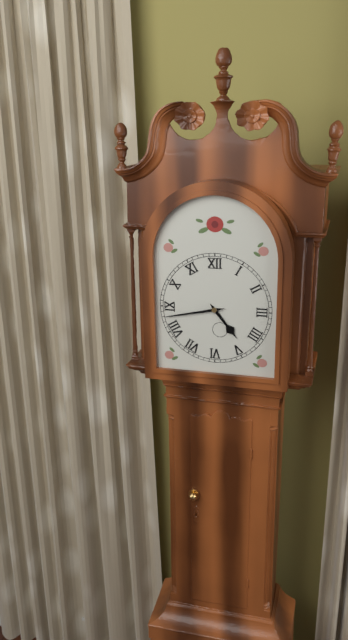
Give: 4:43
